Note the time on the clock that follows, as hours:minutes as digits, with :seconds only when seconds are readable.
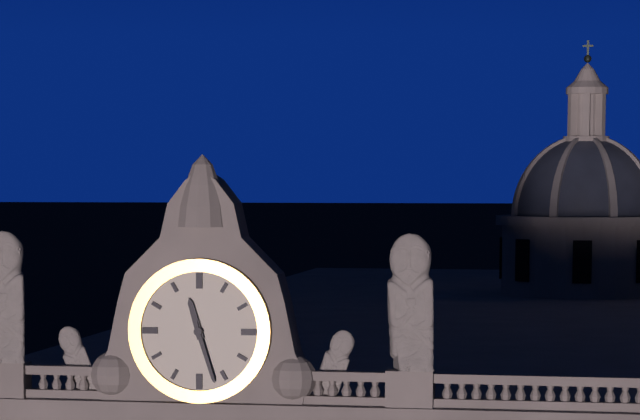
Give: 11:27
